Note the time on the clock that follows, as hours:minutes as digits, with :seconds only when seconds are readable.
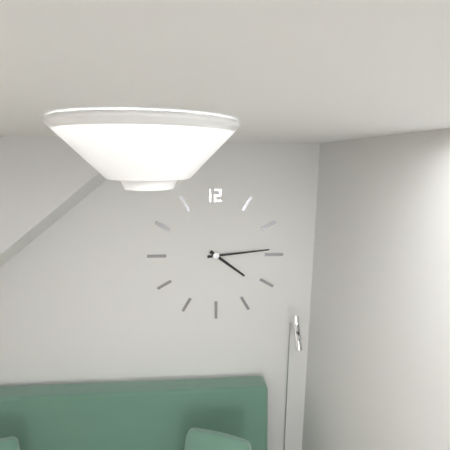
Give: 4:14
